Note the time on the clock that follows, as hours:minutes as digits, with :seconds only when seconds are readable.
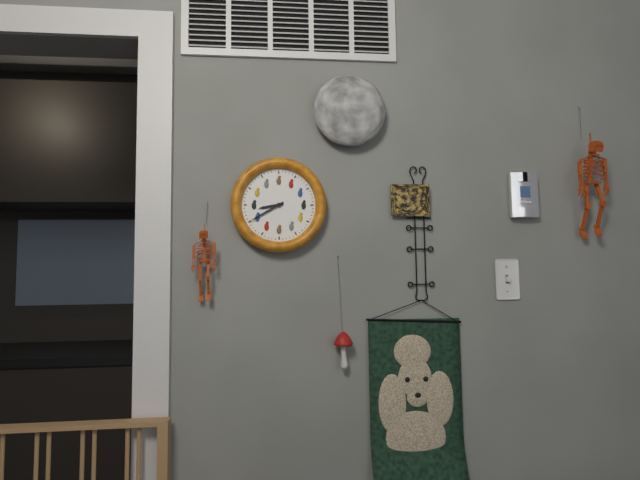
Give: 8:40
